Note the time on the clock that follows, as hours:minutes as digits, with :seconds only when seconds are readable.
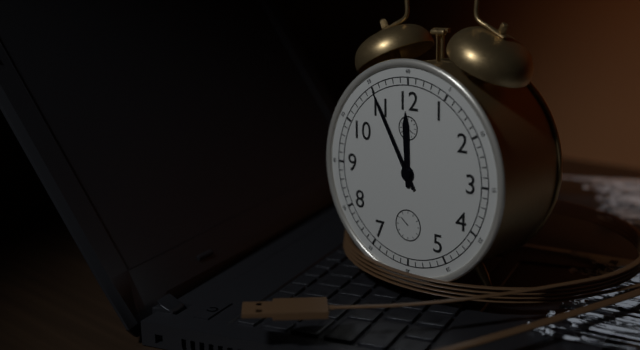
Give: 11:55
